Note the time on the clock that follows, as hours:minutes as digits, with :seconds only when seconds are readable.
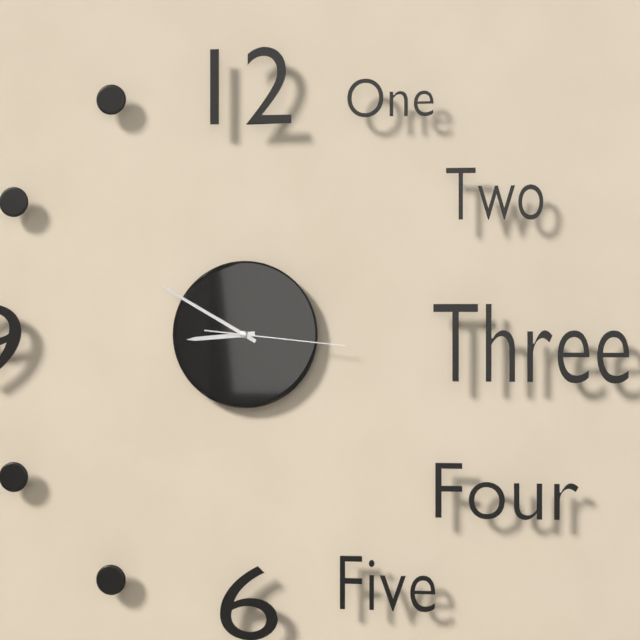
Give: 8:50:16
